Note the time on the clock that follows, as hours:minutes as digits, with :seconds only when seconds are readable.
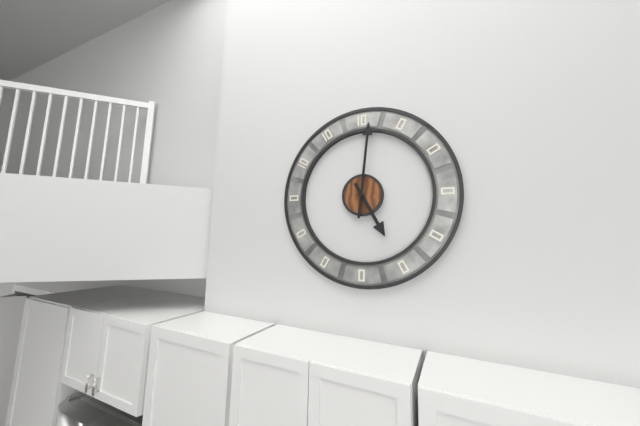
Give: 5:01
